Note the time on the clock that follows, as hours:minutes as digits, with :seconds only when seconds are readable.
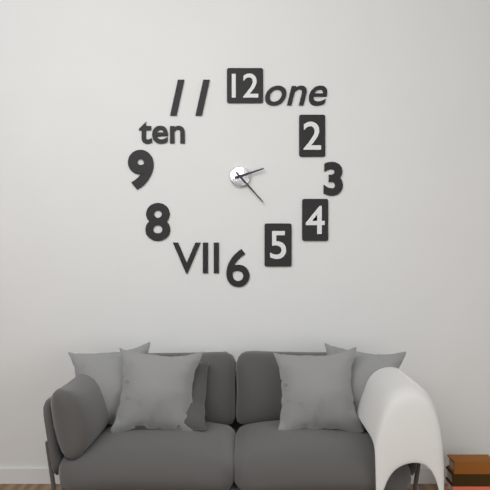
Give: 2:23
